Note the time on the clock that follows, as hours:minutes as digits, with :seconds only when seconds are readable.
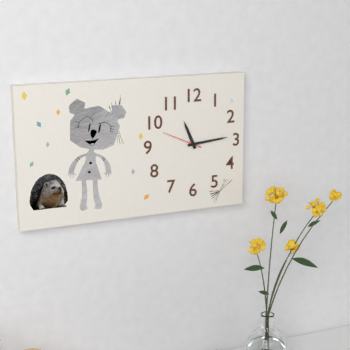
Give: 11:14
